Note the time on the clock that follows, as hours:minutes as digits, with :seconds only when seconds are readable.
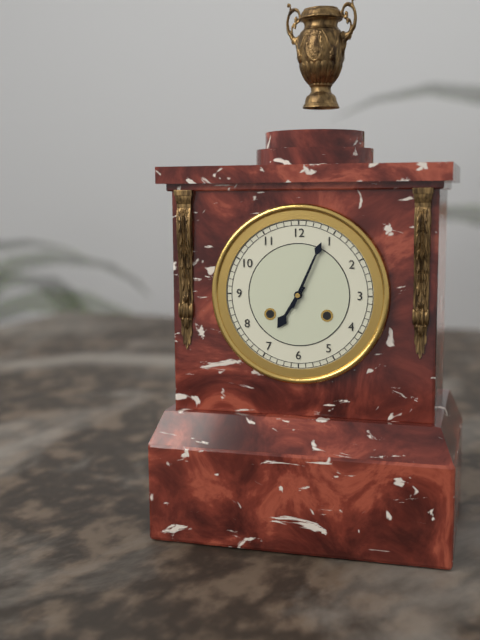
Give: 7:04
